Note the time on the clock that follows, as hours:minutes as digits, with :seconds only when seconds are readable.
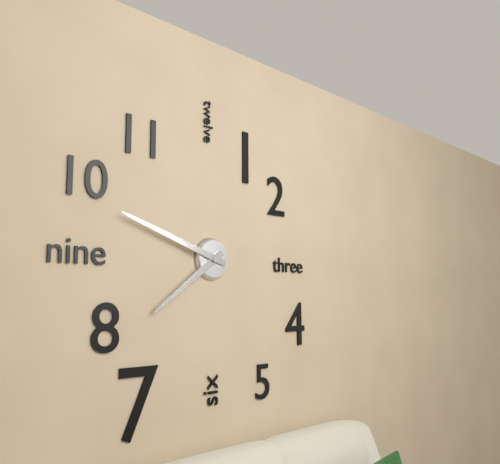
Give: 7:48
